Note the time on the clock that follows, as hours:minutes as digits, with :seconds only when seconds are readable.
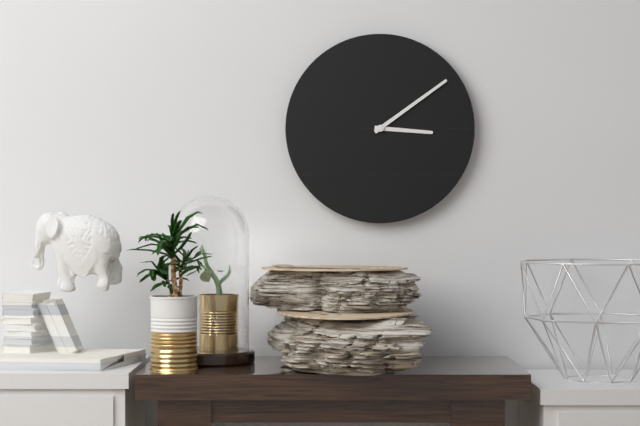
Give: 3:09
